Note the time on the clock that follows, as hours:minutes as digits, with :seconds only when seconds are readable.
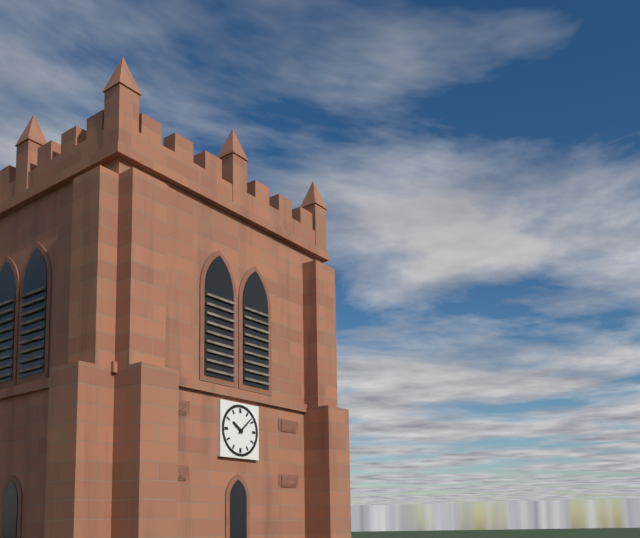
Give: 10:08
